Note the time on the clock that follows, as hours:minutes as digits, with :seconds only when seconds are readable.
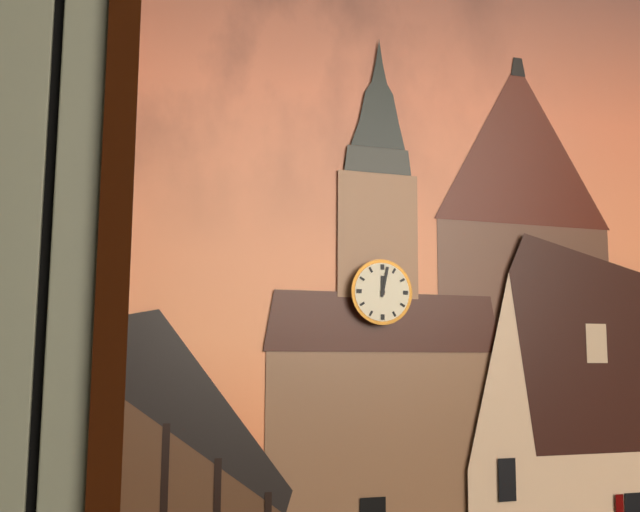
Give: 12:02
